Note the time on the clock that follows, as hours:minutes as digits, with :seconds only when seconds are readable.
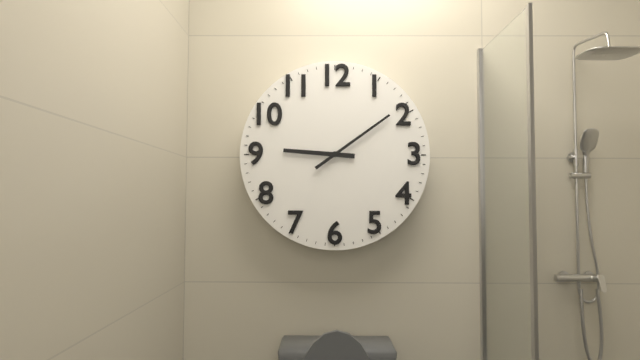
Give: 9:09
